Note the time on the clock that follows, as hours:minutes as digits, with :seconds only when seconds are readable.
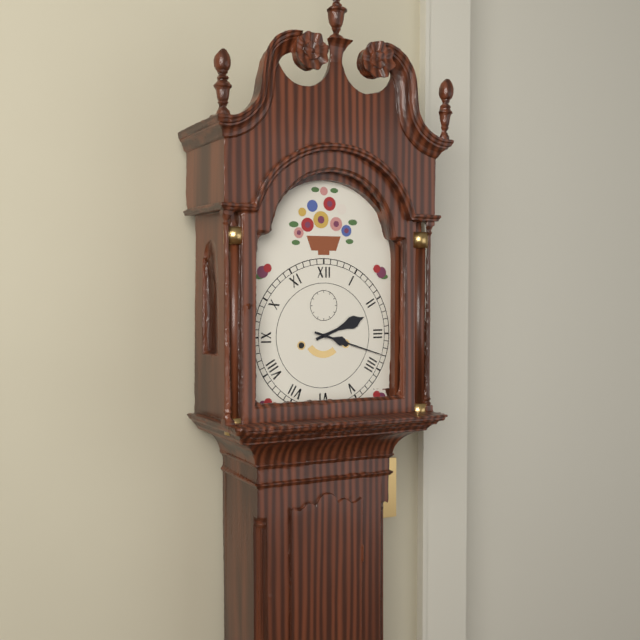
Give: 2:18
